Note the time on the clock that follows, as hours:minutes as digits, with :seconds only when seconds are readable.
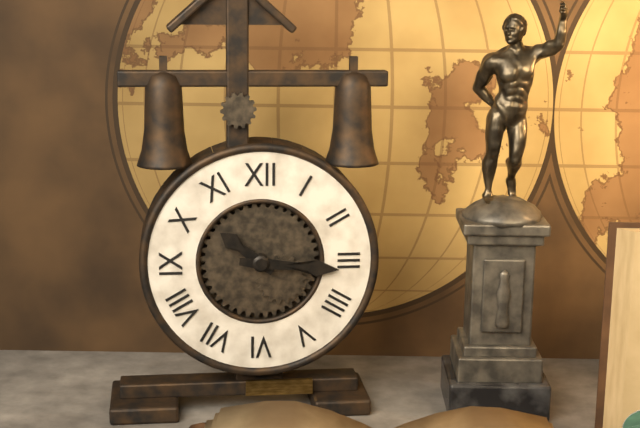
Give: 10:16
